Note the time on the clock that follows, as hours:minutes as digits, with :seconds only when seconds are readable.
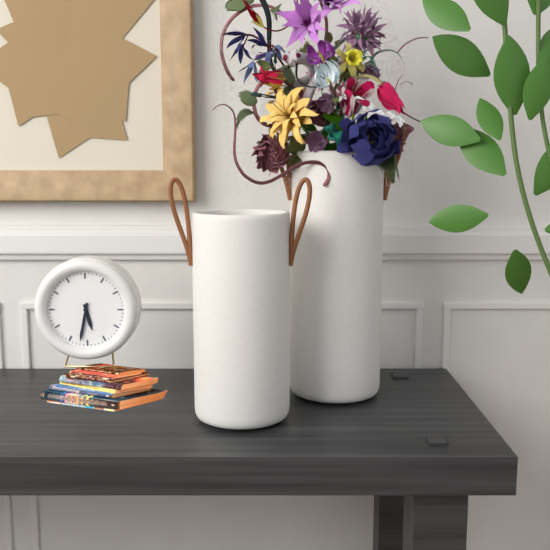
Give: 5:32
